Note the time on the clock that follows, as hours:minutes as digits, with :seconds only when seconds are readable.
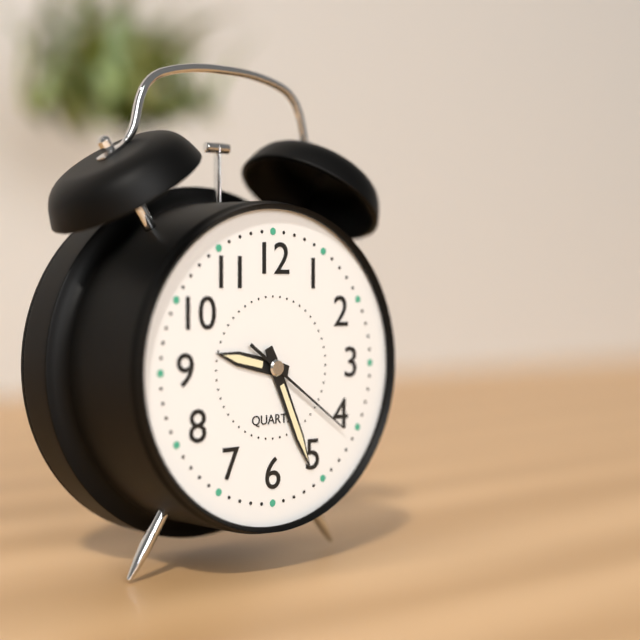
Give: 9:26:21
